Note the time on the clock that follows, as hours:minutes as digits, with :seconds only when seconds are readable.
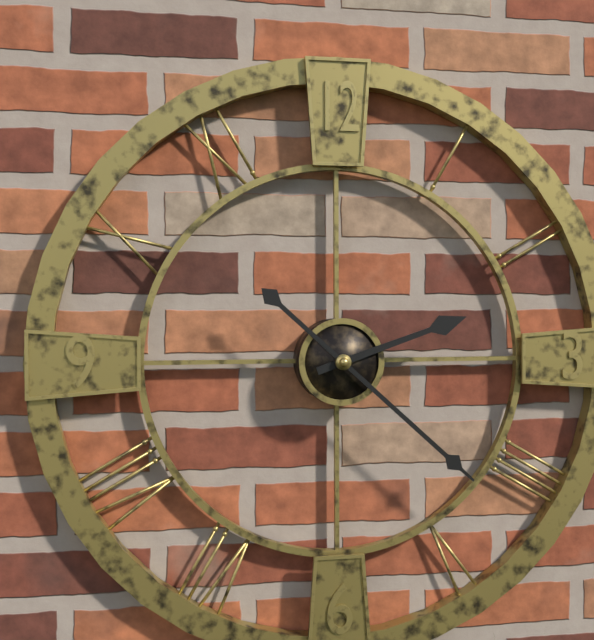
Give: 2:22
